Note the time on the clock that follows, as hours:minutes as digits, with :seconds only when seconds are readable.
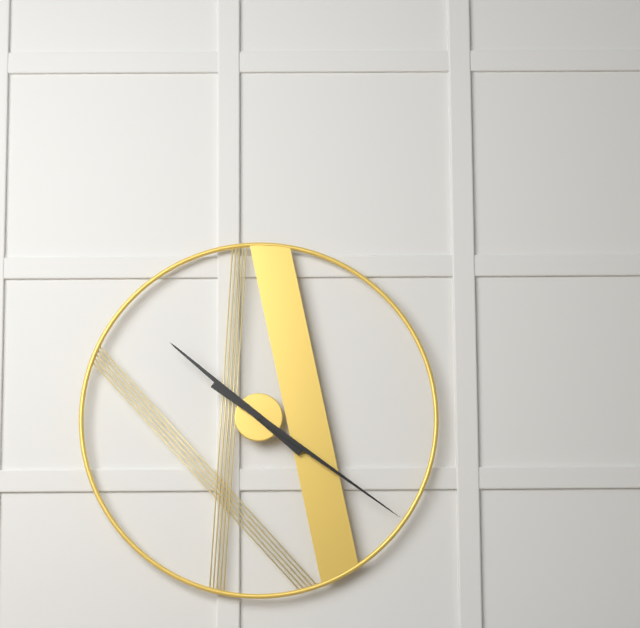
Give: 10:21
